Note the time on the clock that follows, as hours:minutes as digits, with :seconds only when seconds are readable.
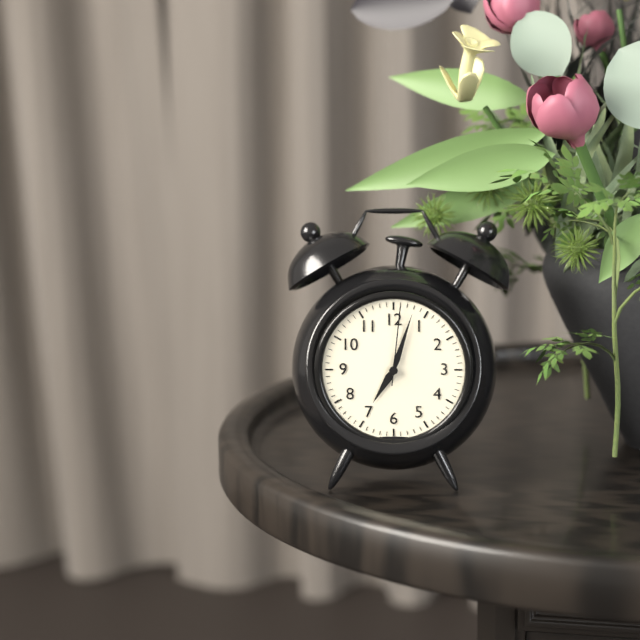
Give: 7:03:01
